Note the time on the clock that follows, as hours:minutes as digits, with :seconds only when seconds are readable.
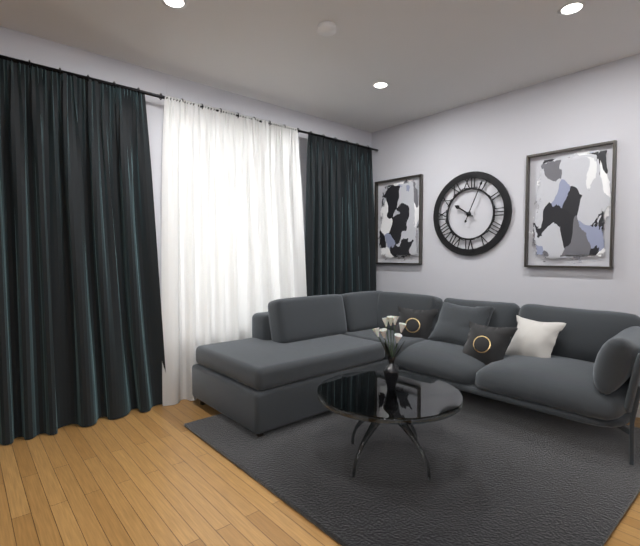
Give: 10:04
